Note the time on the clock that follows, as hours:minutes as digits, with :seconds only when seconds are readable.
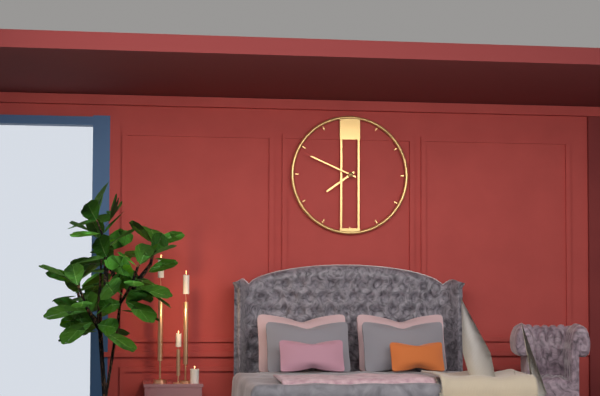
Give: 7:49
